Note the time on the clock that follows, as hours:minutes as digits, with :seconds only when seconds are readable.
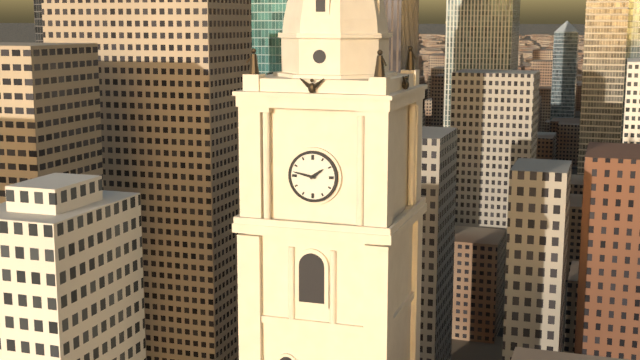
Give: 1:47
